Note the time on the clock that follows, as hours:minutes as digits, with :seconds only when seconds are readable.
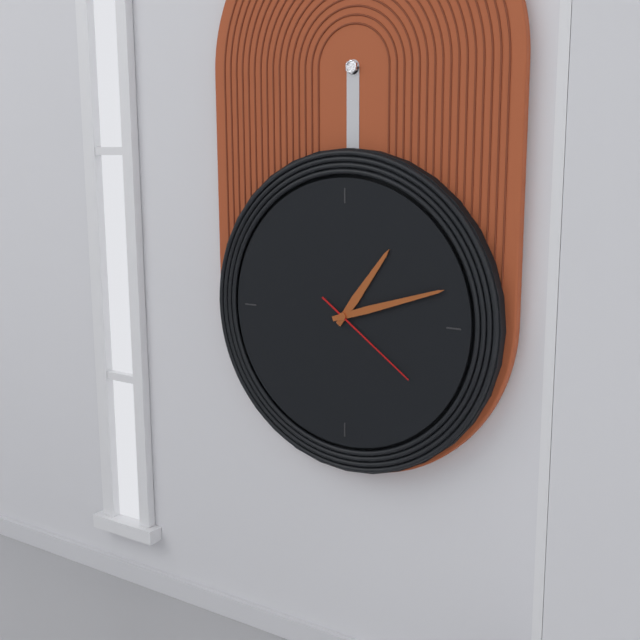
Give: 1:12:21
